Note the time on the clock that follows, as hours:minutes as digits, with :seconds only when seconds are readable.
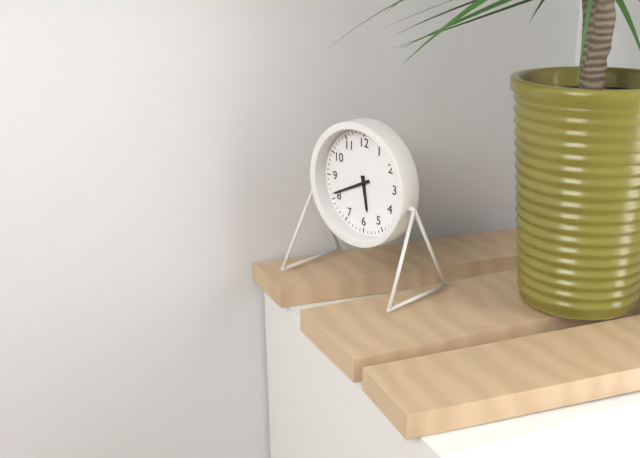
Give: 5:41
